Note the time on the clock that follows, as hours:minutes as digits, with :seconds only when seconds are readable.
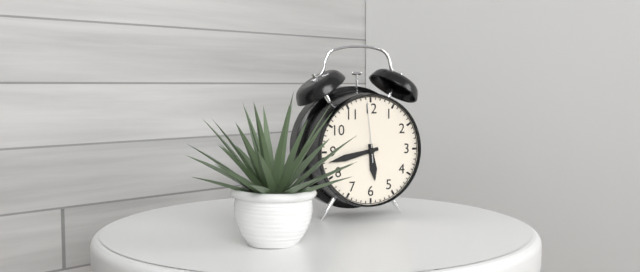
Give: 5:43:59
